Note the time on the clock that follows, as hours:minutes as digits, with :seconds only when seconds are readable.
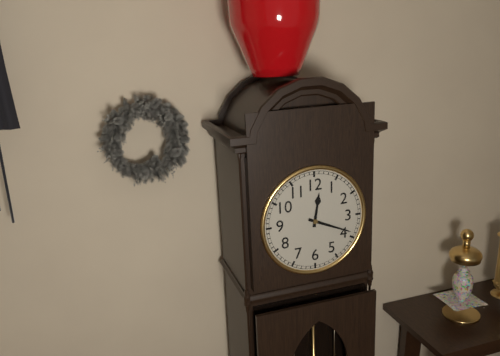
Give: 12:19
